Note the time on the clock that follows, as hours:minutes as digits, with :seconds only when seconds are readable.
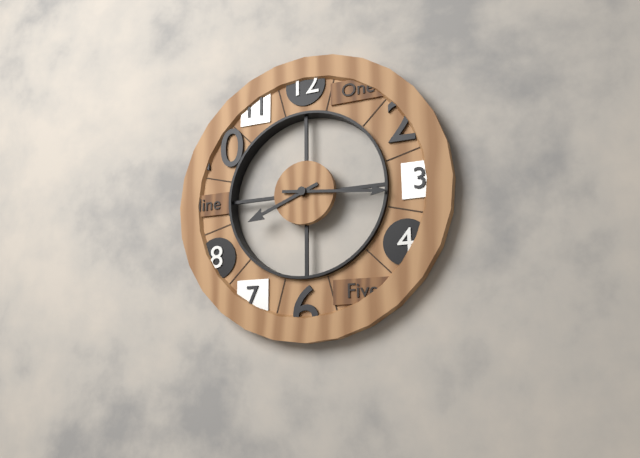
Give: 8:16
